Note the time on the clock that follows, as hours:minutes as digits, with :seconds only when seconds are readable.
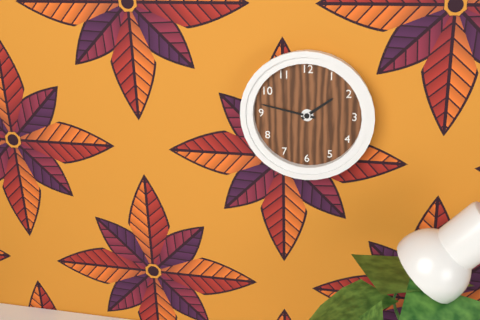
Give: 1:47
